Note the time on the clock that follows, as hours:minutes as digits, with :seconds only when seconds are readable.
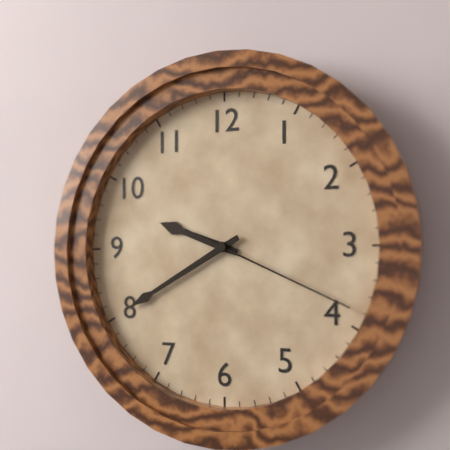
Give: 9:40:19
